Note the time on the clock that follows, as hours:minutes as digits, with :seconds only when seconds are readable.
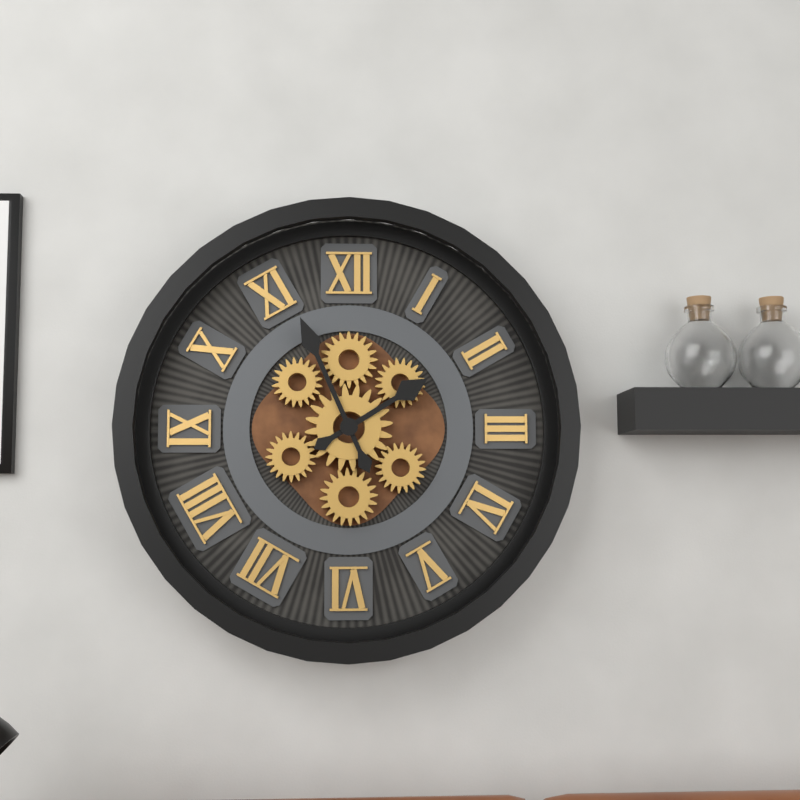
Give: 1:56
